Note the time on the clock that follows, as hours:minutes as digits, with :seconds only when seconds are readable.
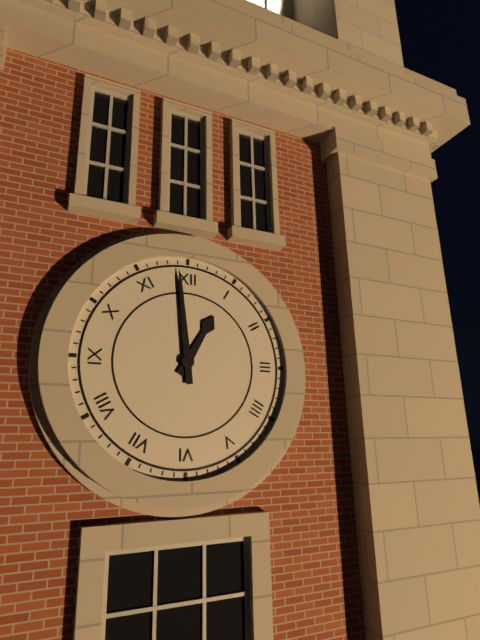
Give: 12:59
